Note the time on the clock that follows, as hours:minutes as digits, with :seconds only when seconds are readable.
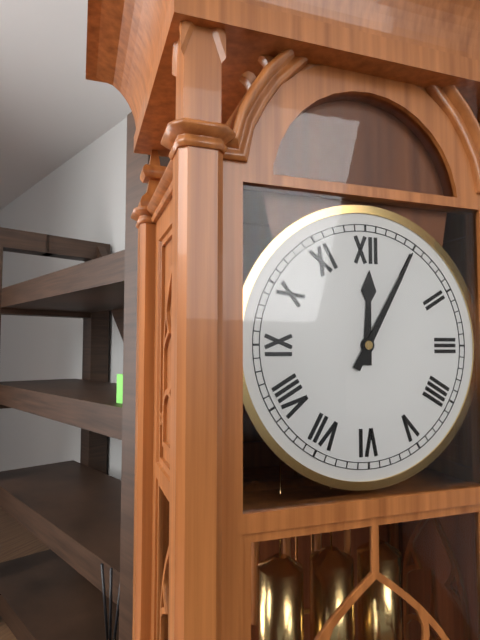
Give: 12:05
